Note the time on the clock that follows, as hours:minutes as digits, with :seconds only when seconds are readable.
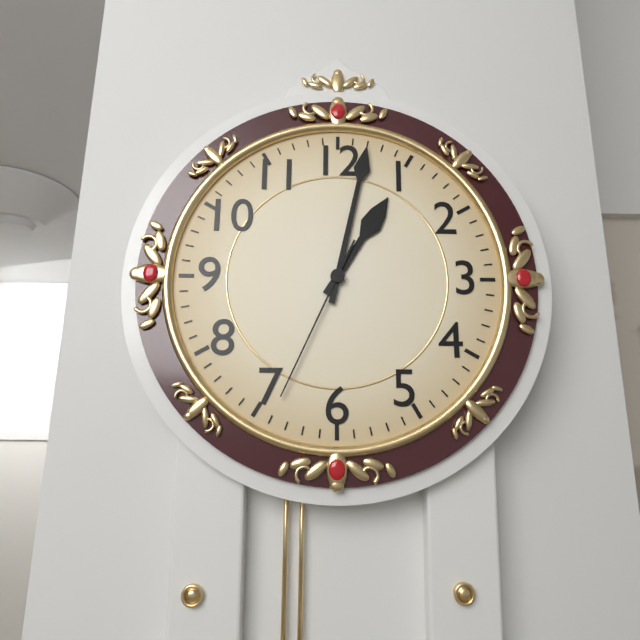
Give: 1:02:34
